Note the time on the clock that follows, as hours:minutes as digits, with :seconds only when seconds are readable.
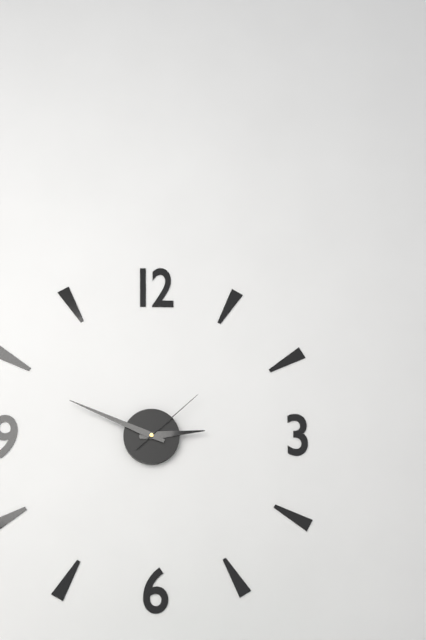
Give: 2:49:08
